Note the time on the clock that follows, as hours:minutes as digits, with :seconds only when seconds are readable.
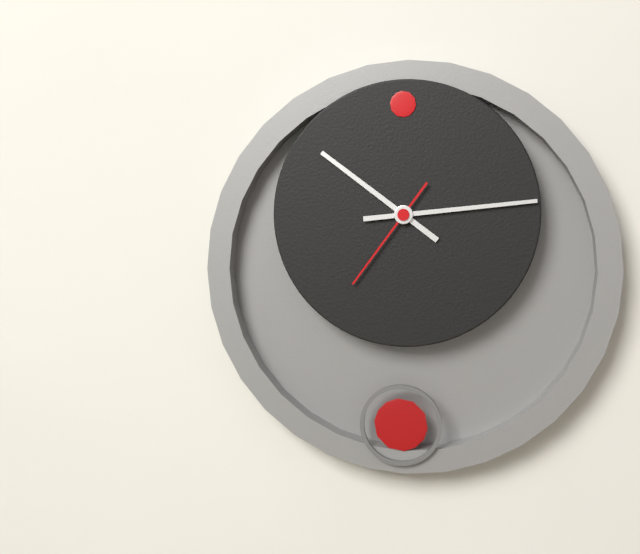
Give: 10:14:36
